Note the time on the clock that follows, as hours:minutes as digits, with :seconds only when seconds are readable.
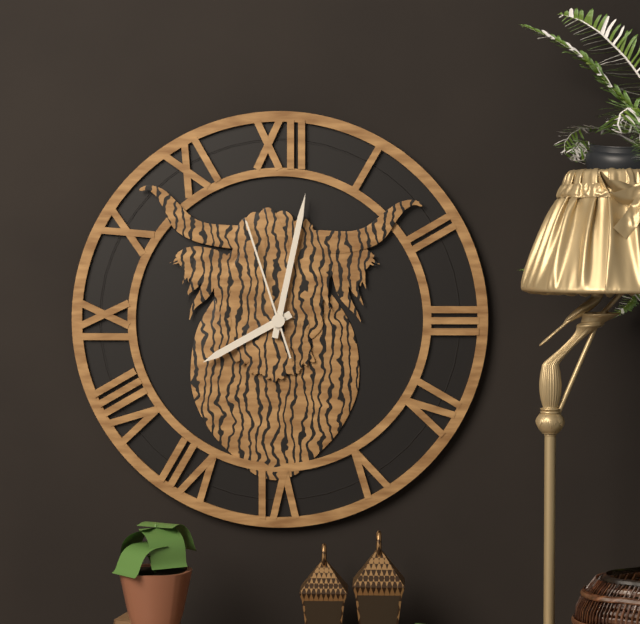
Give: 8:02:57
